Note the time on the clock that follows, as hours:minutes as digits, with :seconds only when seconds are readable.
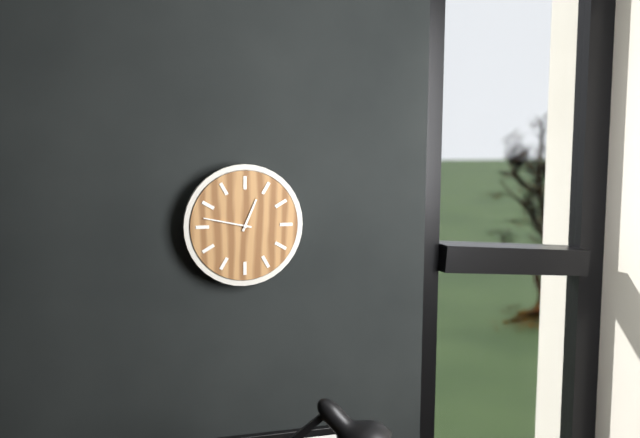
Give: 12:47
